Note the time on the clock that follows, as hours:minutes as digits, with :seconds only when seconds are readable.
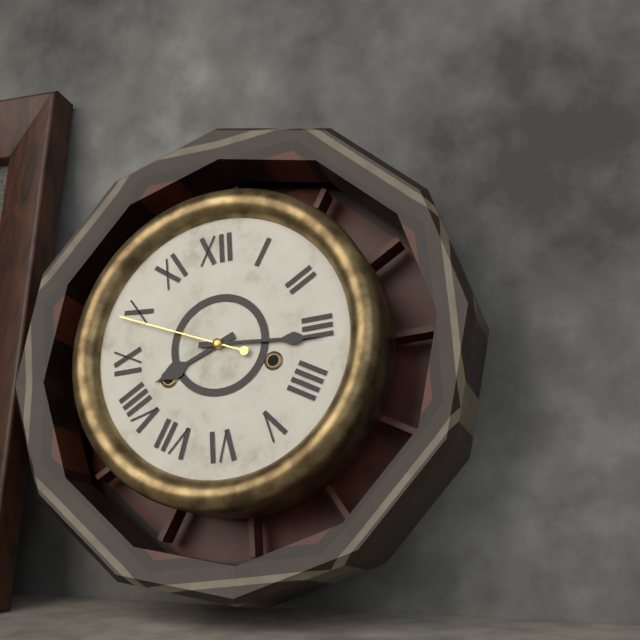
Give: 8:16:49
